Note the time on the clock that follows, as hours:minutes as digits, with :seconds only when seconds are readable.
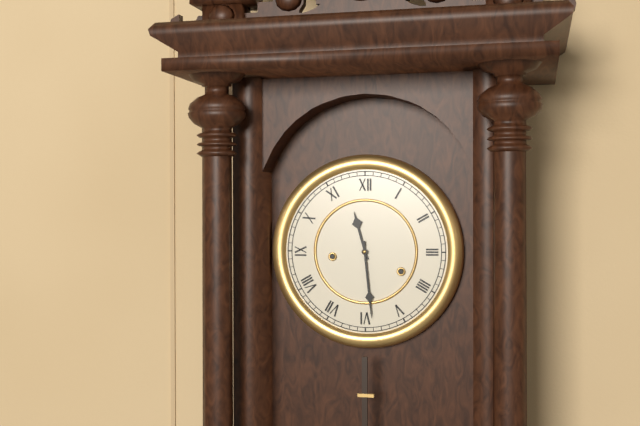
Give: 11:29
